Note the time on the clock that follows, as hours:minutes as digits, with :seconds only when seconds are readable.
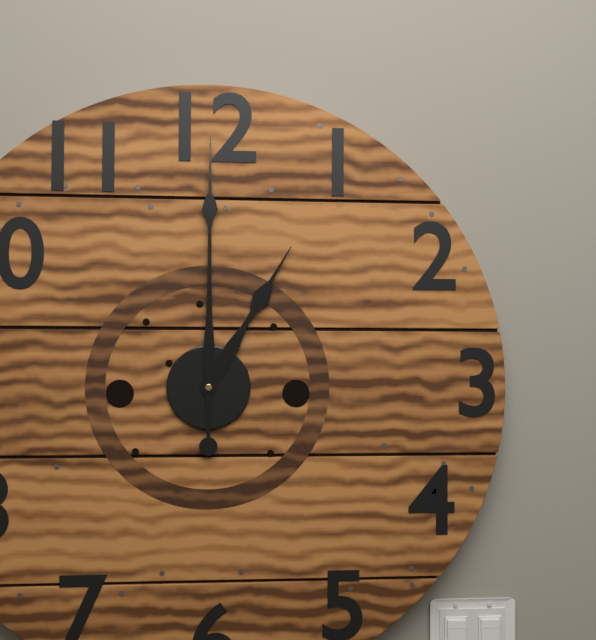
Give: 1:00
